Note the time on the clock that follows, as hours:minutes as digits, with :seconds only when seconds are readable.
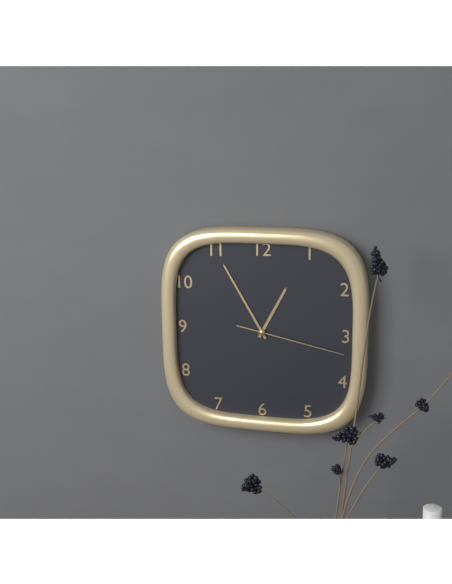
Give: 12:55:17
